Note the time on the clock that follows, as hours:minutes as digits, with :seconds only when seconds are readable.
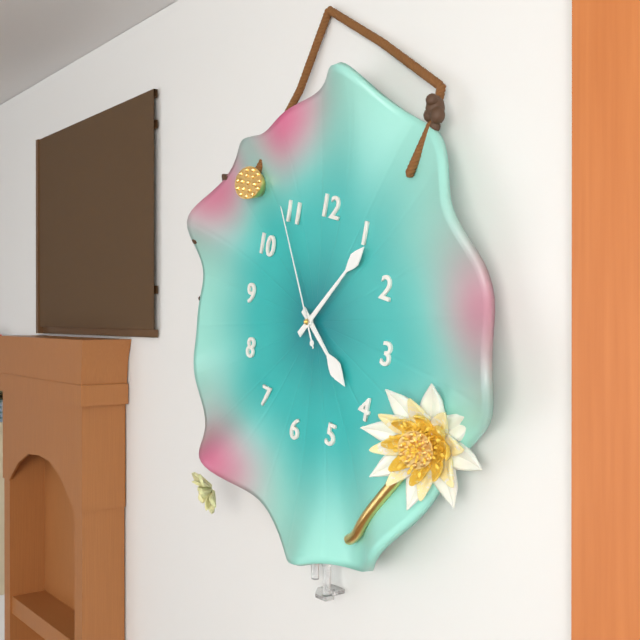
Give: 4:06:54
